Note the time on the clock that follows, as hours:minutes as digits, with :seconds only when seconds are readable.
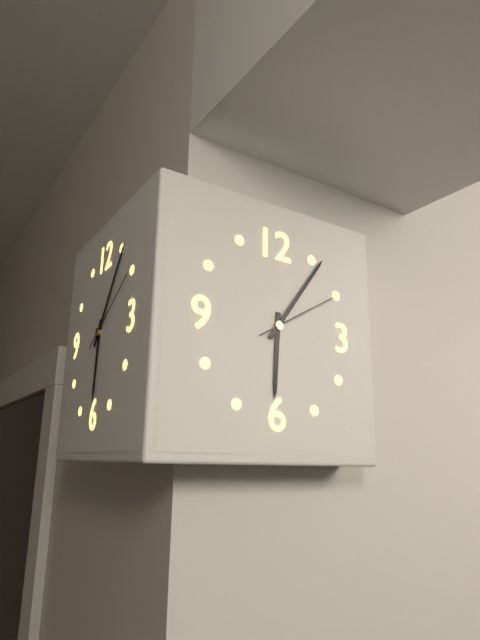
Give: 6:06:10
